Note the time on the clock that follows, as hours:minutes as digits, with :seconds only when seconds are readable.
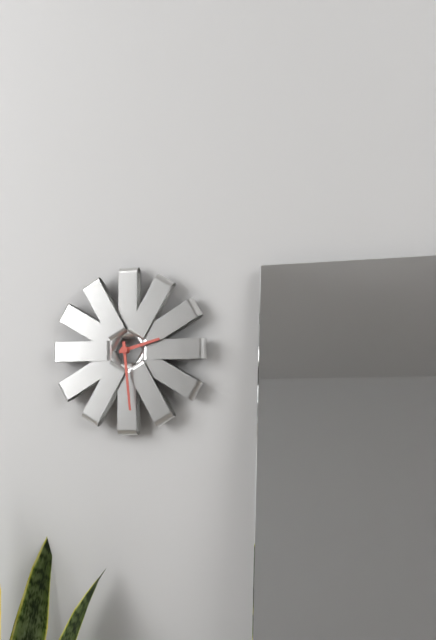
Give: 2:29
